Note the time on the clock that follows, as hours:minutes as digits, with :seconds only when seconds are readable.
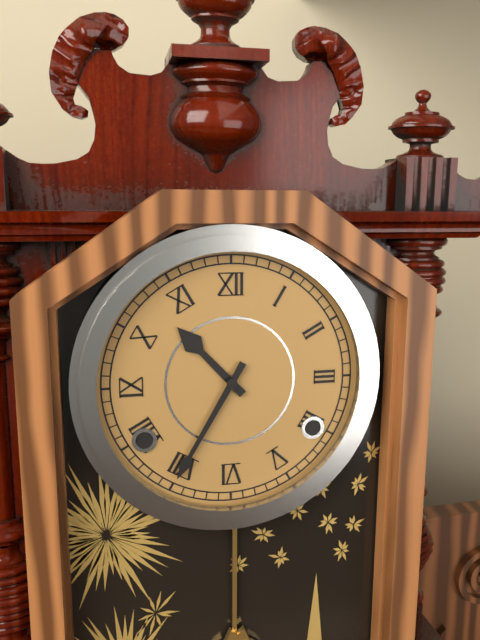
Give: 10:35
